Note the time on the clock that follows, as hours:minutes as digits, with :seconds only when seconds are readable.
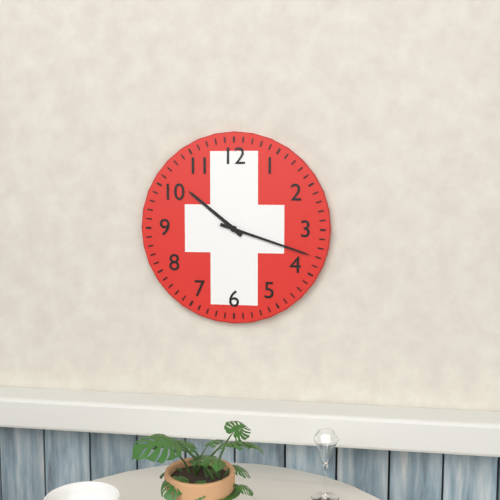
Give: 10:18
